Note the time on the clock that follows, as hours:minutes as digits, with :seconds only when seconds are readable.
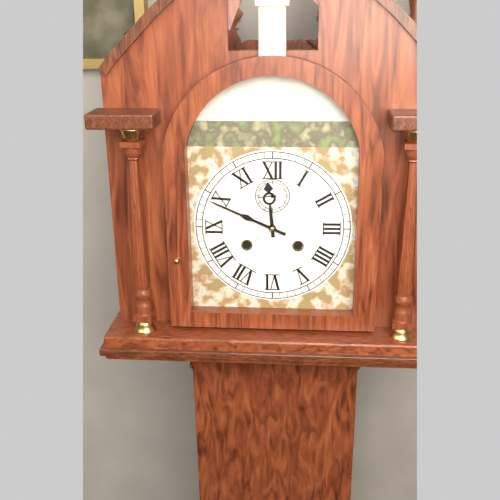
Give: 11:49
